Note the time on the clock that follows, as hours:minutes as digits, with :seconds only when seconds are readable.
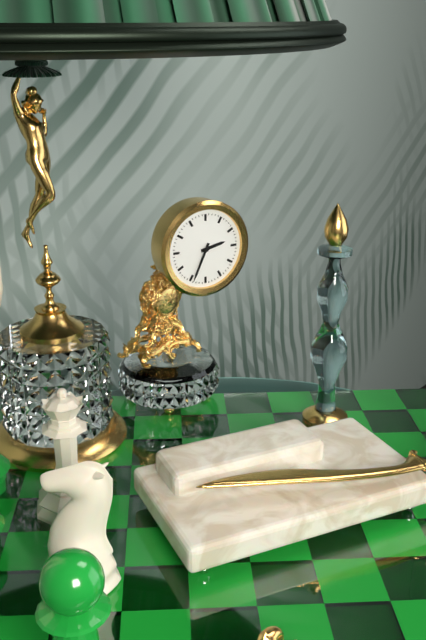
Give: 2:34
